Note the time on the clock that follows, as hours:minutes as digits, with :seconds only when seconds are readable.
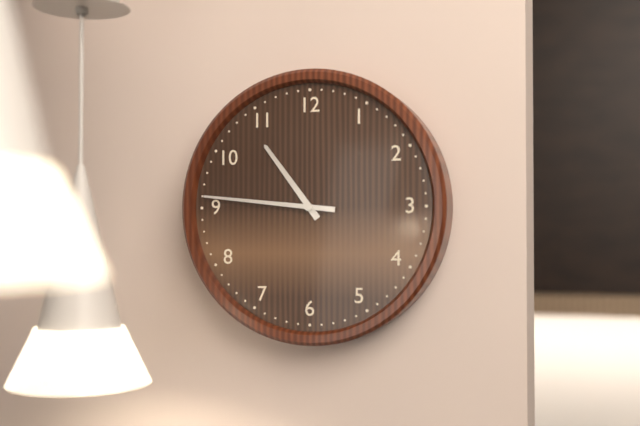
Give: 10:46
